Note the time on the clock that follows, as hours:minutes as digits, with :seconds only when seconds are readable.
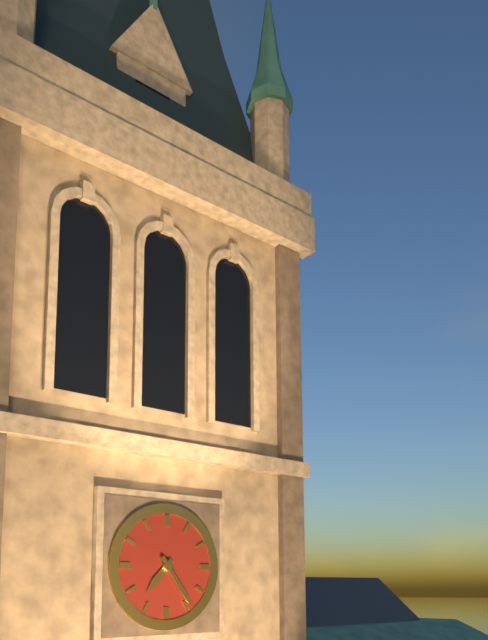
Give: 7:24
